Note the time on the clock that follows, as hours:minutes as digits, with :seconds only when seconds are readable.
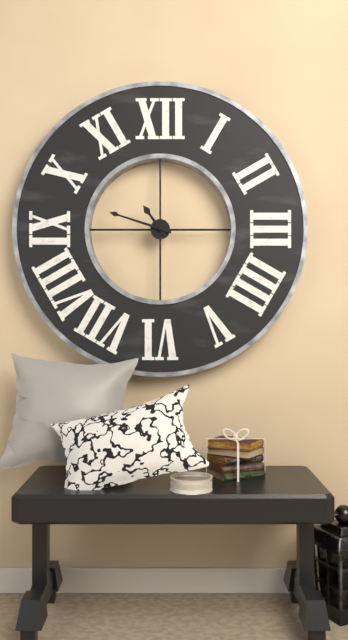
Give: 10:48
